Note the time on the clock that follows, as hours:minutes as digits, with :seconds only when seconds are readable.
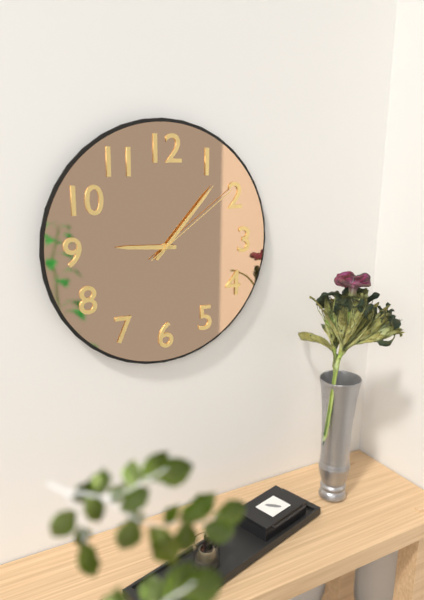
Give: 9:07:09
